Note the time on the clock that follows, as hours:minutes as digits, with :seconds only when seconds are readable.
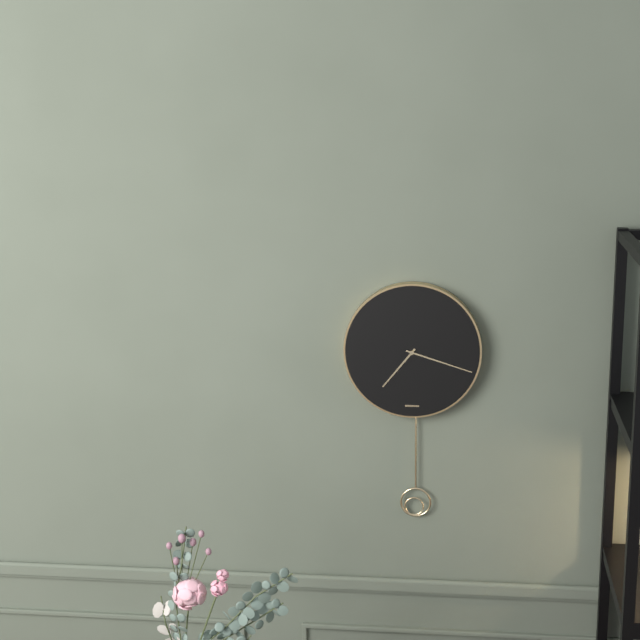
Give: 7:18
